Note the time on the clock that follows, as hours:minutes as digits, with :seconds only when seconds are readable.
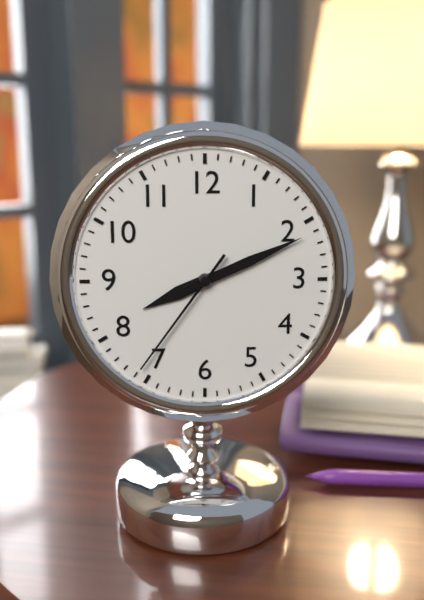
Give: 8:11:36
